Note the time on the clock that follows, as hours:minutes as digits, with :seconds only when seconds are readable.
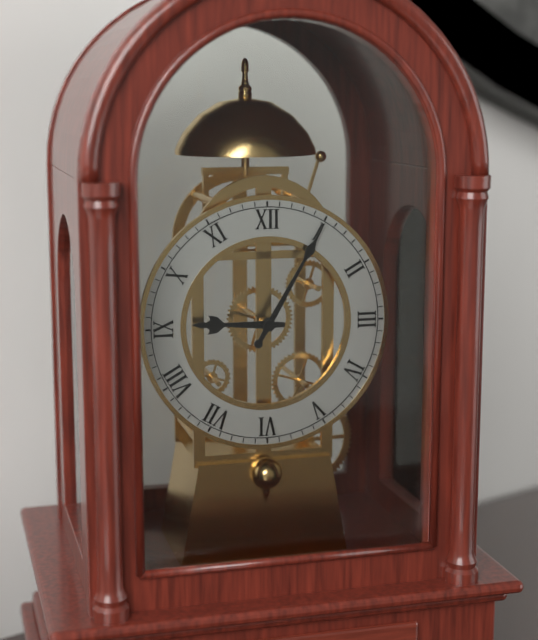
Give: 9:05
